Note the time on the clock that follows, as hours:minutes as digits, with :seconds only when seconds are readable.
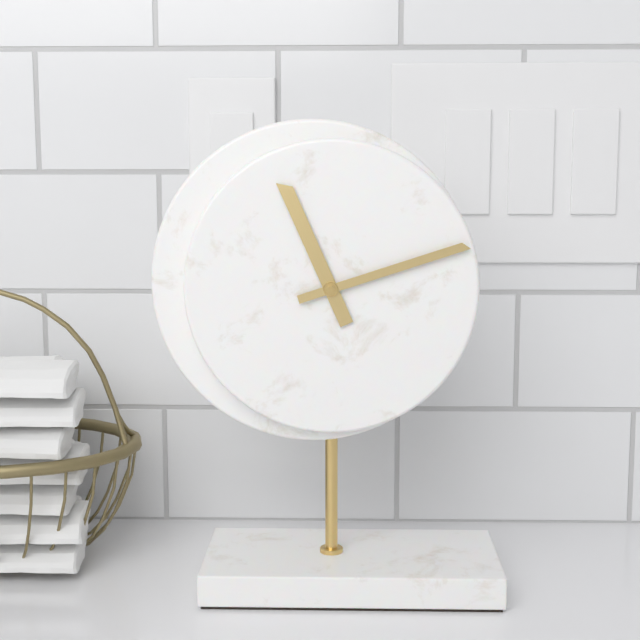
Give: 11:12
